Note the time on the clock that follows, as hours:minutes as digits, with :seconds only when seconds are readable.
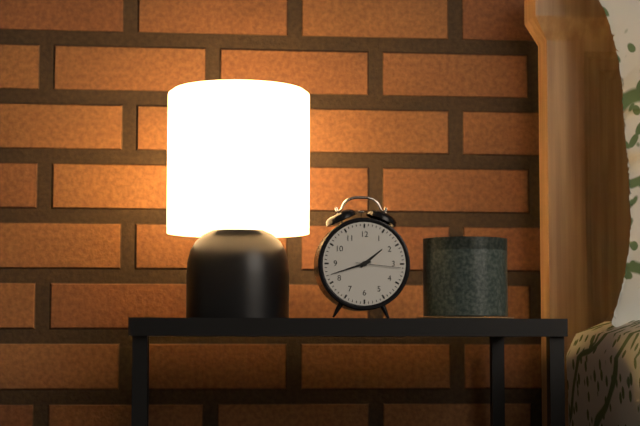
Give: 1:42
